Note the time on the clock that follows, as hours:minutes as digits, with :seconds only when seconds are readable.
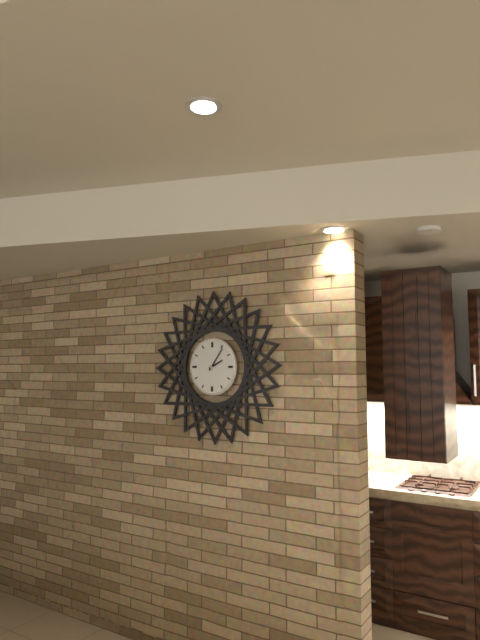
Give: 2:06
